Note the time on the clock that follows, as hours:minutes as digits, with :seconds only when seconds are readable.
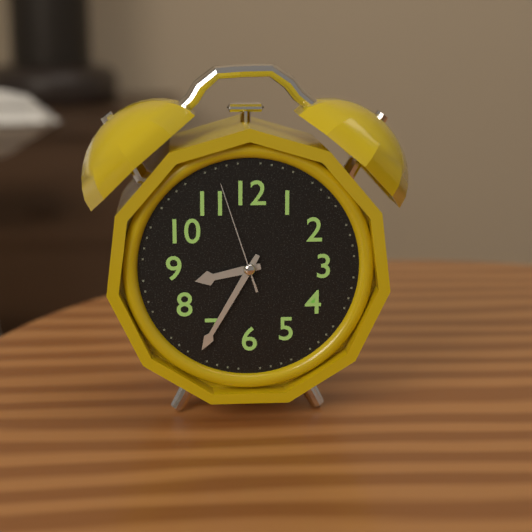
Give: 8:35:57
